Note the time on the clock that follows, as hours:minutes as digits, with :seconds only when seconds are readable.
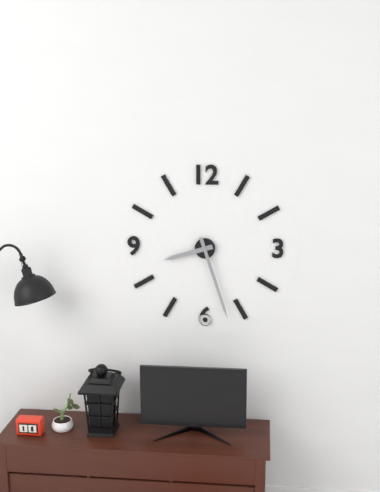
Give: 8:27
